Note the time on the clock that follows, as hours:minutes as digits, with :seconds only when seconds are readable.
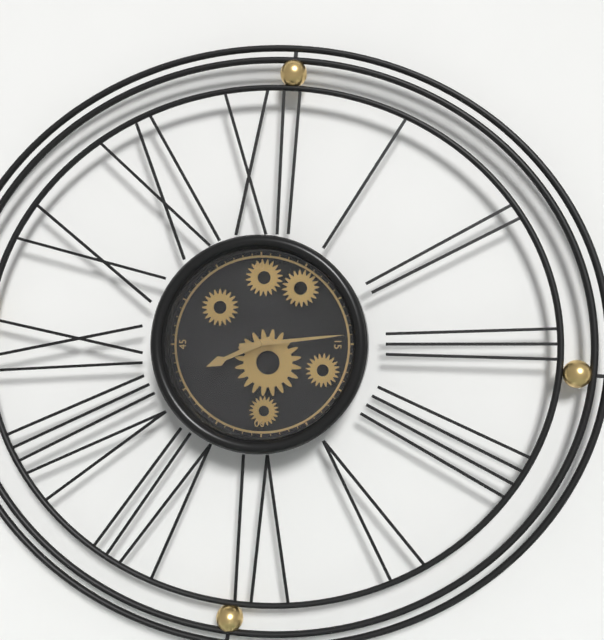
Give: 8:14
